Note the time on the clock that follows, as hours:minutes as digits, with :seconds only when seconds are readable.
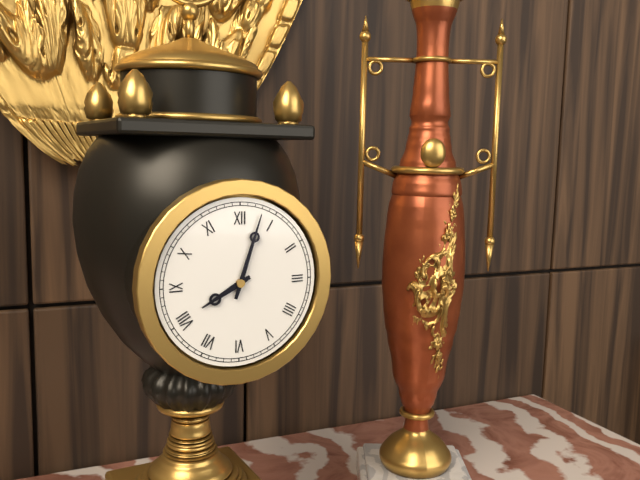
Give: 8:03
